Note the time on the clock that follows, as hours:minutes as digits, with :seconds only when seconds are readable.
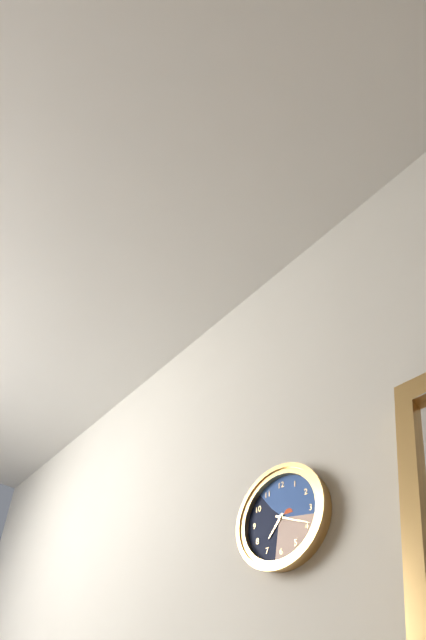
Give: 7:19
